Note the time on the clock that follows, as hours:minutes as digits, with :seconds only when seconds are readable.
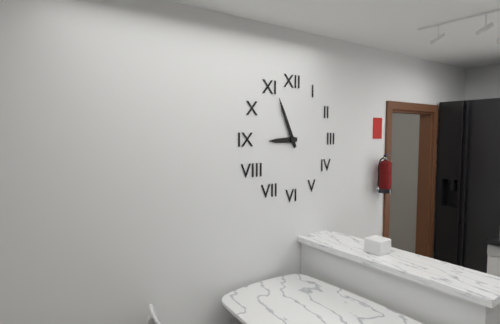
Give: 8:56
